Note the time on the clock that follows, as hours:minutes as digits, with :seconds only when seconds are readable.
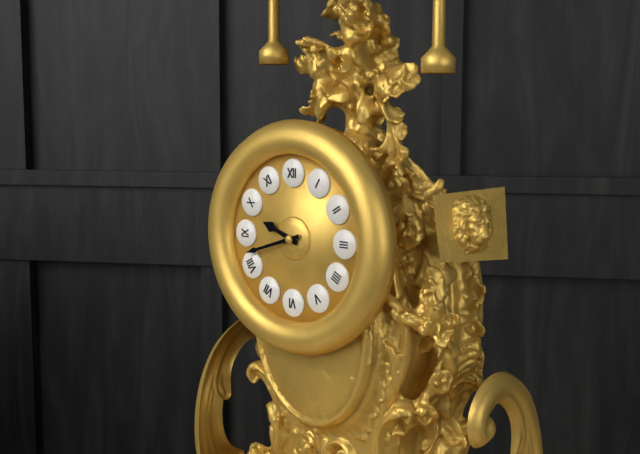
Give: 9:42
